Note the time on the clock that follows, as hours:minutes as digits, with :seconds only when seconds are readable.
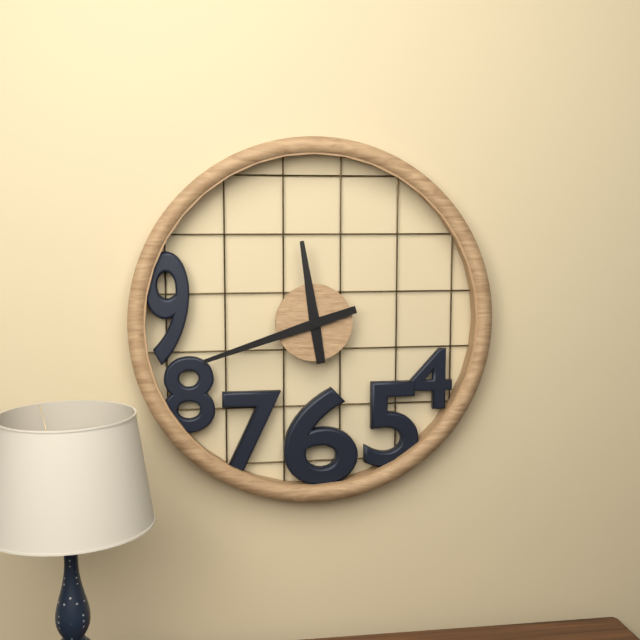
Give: 11:42
